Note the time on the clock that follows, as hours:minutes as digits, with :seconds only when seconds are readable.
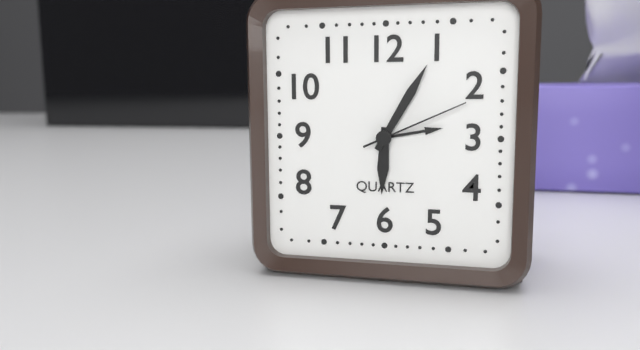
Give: 6:05:11
